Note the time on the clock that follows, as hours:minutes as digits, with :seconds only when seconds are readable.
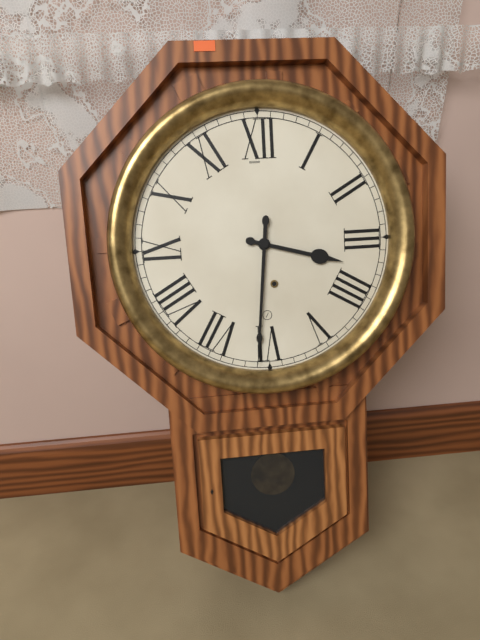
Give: 3:31
